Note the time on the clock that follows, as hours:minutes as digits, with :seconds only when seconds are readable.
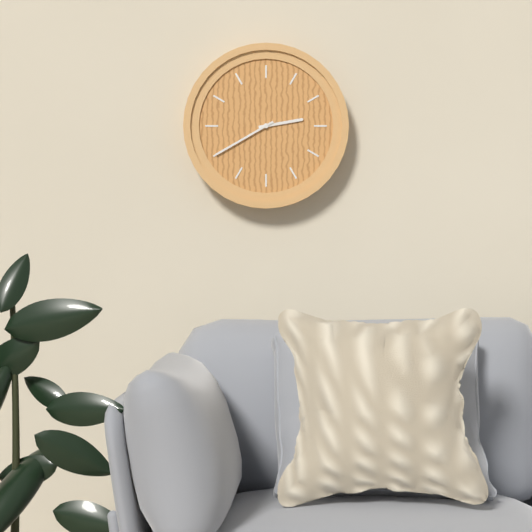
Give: 2:40
